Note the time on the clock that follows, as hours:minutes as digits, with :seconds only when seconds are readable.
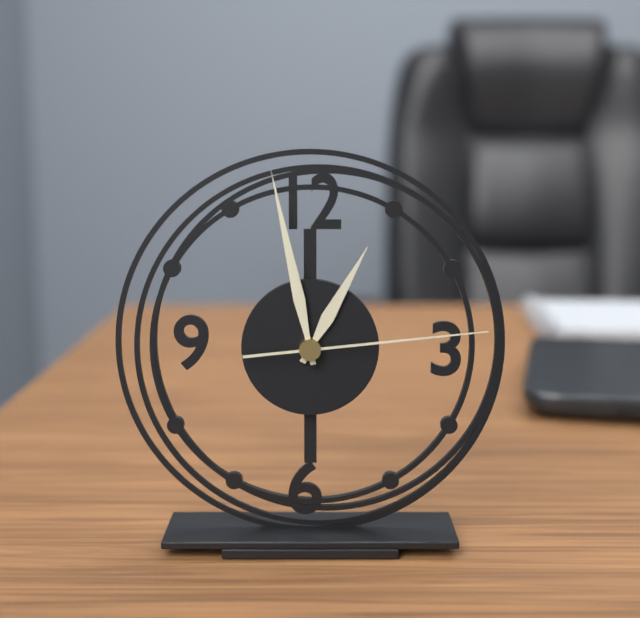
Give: 12:58:14
